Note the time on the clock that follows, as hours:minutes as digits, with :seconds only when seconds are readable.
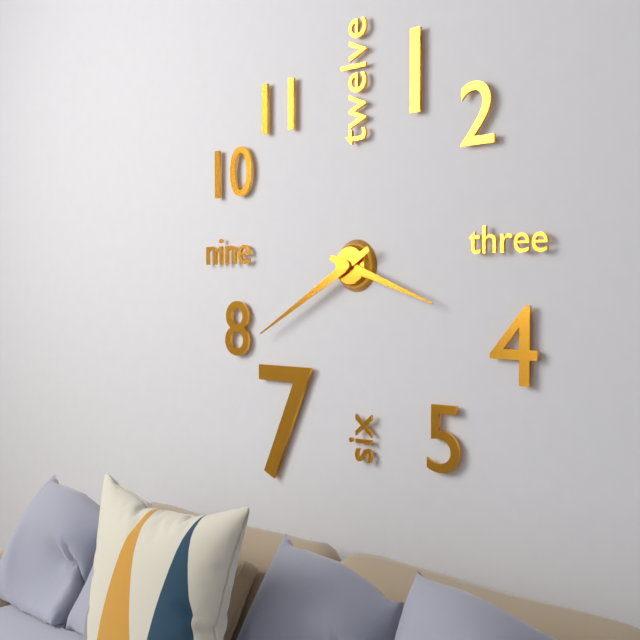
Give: 3:40
